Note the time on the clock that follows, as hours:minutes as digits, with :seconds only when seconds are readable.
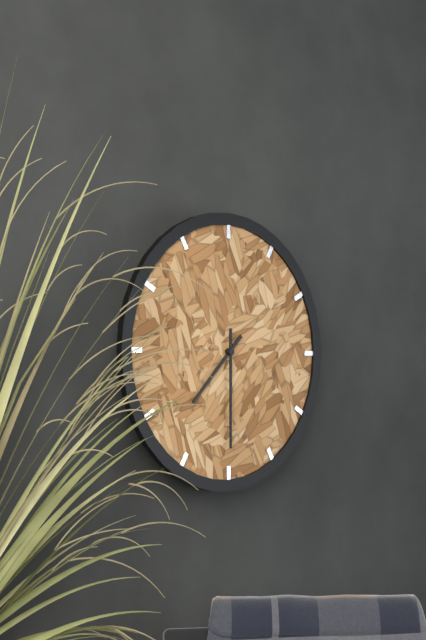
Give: 7:30
